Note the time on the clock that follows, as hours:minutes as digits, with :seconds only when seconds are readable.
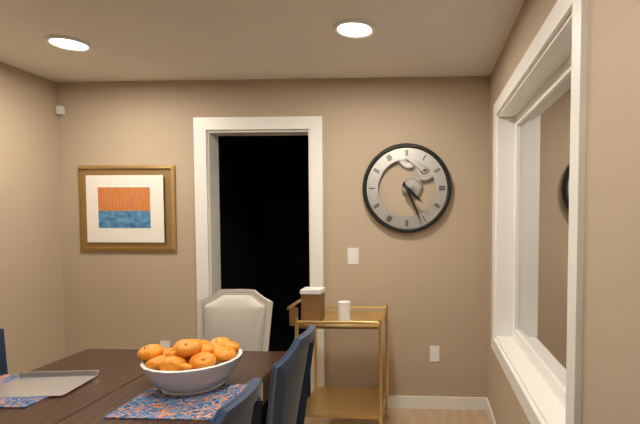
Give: 4:26
